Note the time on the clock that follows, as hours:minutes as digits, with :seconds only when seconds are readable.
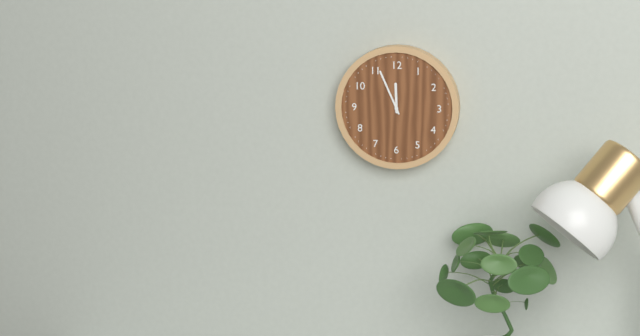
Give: 11:56
